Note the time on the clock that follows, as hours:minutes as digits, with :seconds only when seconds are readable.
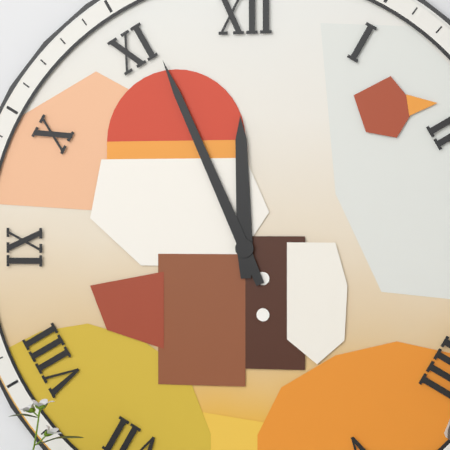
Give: 11:56
